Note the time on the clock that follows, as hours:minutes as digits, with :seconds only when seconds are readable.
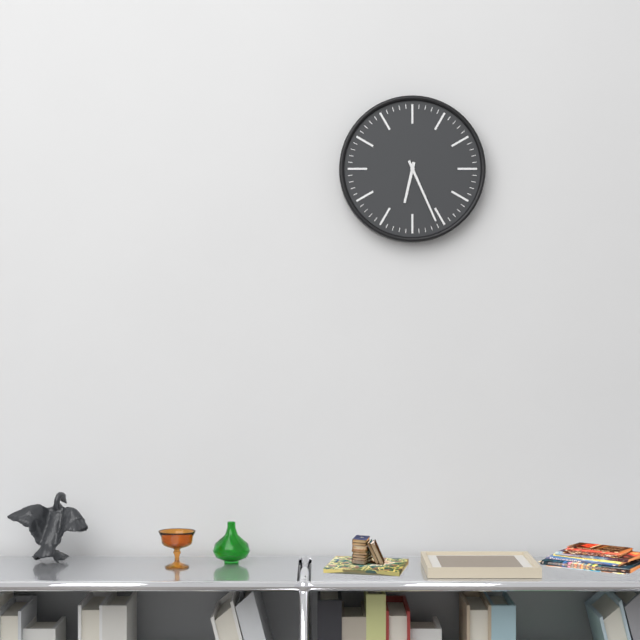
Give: 6:26
